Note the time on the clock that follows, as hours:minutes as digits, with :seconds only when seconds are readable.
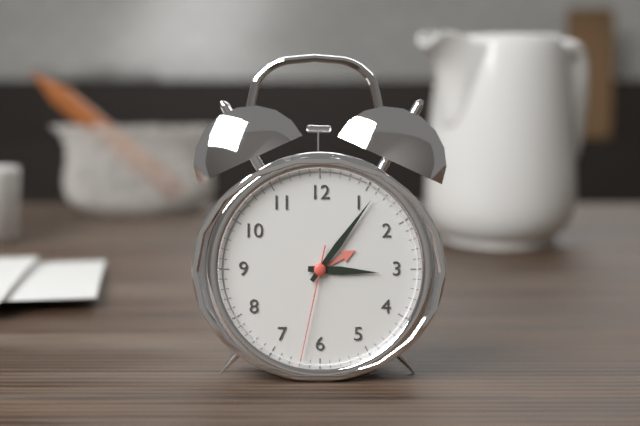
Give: 3:06:32
